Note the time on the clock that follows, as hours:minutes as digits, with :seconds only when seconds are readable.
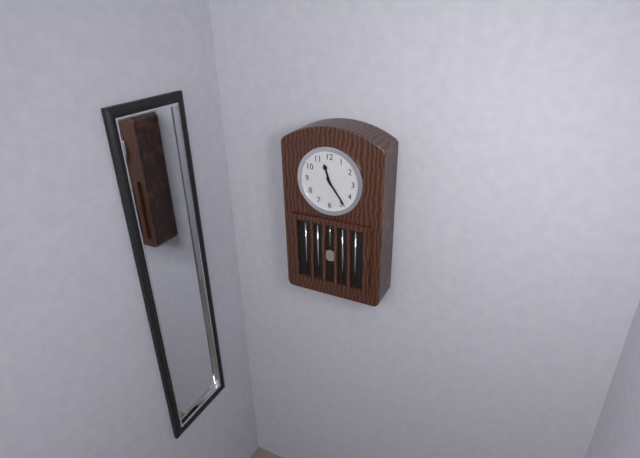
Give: 11:24
